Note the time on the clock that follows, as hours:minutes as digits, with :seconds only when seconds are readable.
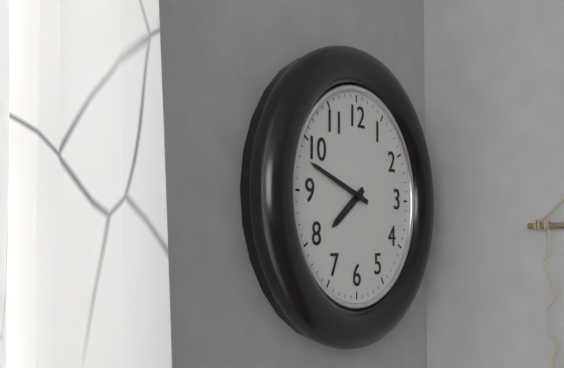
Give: 7:48
